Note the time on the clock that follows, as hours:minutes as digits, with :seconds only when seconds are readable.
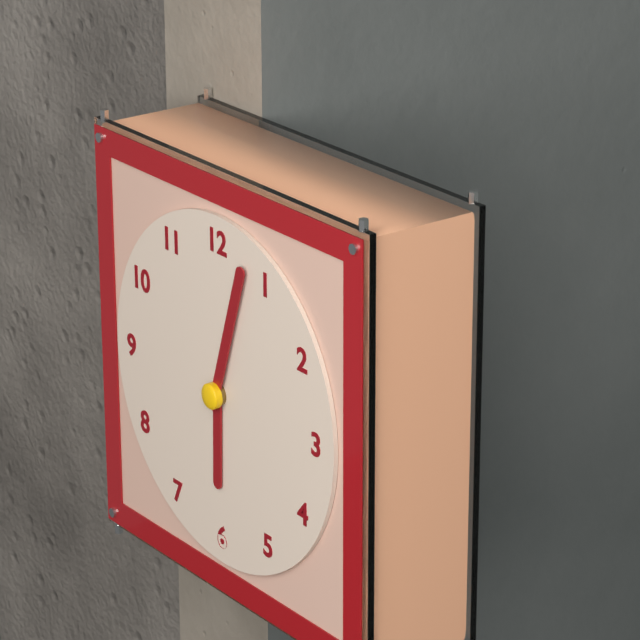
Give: 6:03
